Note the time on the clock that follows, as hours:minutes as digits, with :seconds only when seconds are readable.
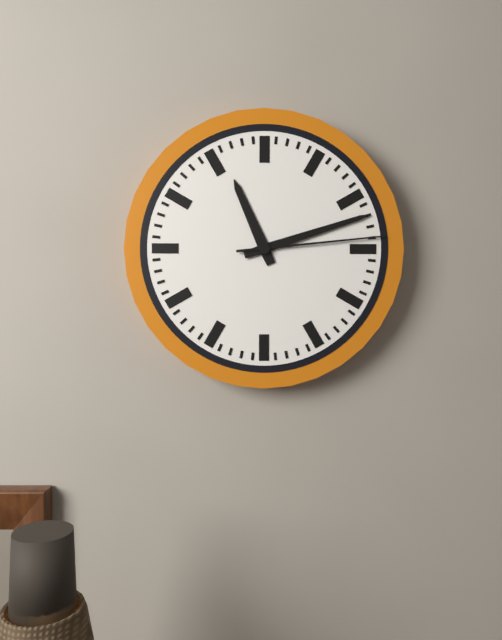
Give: 11:12:14
